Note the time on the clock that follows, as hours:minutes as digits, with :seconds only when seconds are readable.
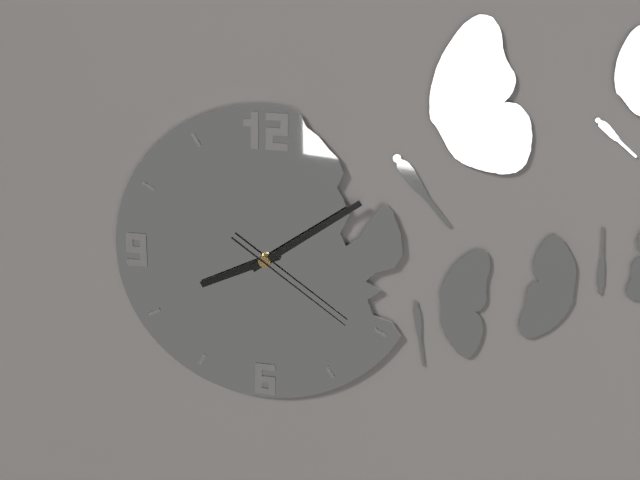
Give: 8:09:21
